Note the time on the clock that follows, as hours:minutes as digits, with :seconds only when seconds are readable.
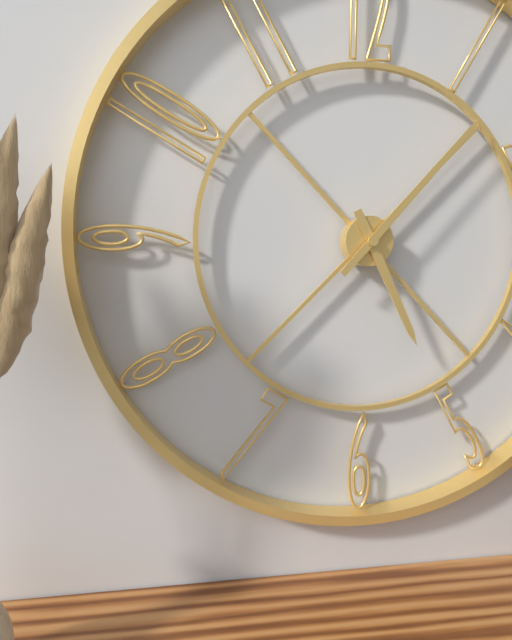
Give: 5:07
